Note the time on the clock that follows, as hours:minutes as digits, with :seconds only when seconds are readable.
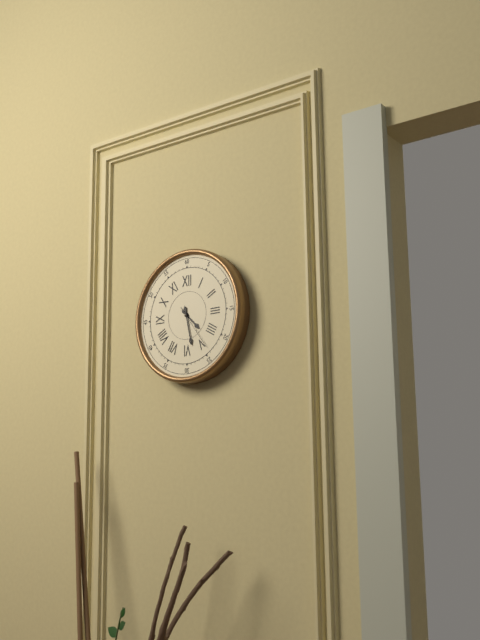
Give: 4:28
